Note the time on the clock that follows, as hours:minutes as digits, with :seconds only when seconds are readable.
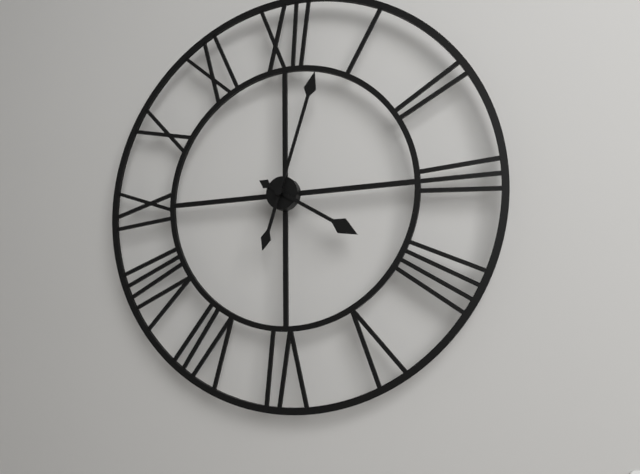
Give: 4:03
